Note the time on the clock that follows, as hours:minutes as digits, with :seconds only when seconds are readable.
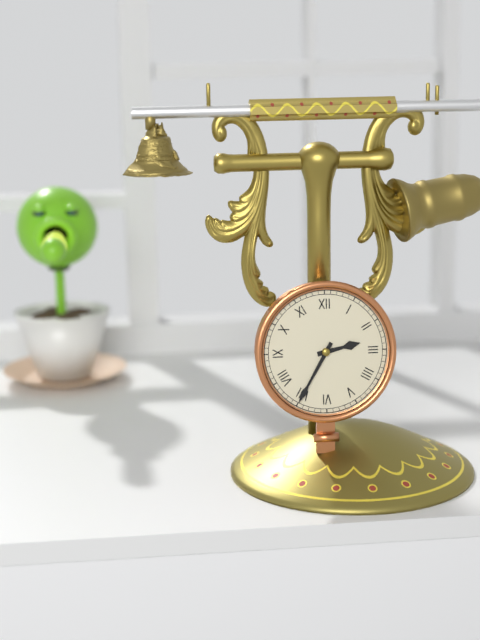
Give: 2:35
